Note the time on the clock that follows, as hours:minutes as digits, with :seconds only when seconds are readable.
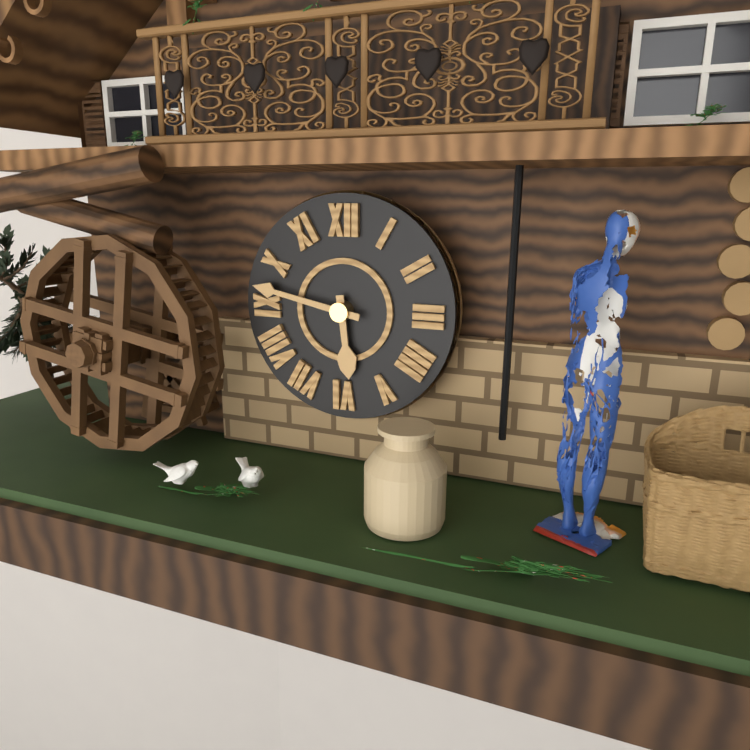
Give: 5:47
